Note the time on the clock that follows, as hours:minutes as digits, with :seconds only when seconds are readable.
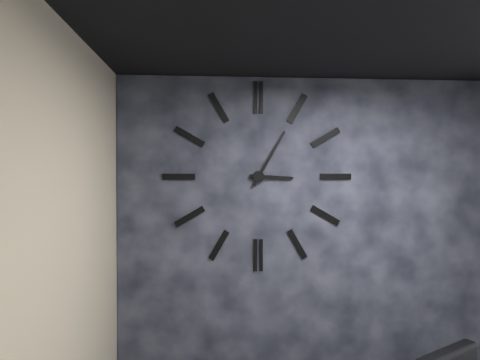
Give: 3:05
